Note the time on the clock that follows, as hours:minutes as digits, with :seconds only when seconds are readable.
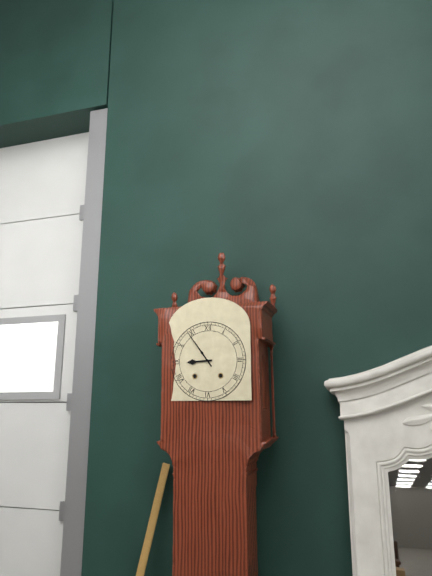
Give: 8:54
